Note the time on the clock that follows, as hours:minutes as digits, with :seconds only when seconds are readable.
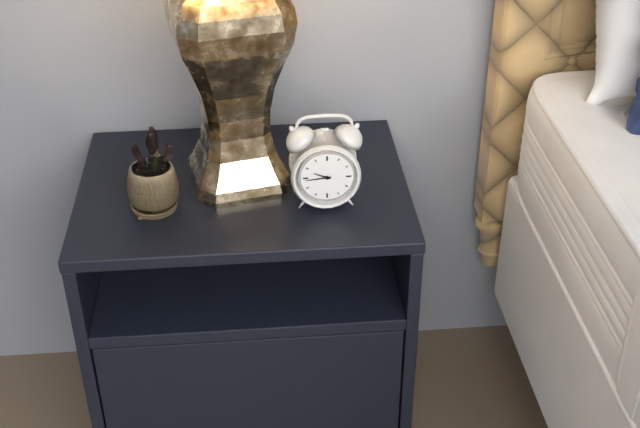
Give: 9:44
